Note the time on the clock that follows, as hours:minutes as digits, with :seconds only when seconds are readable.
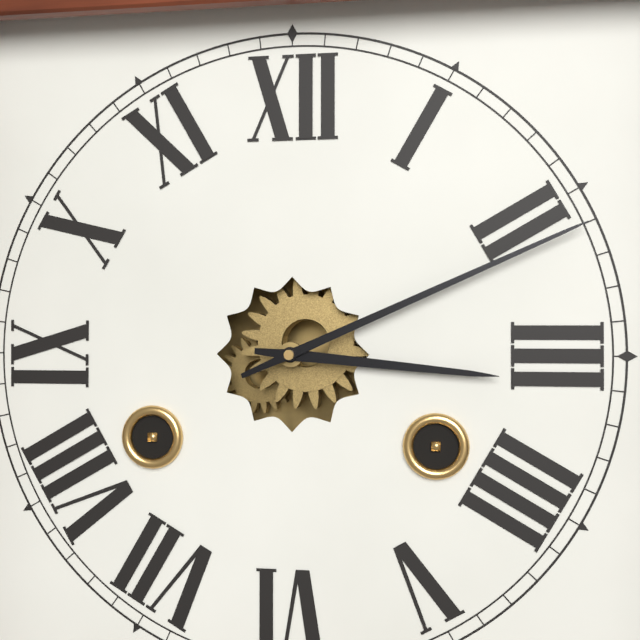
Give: 3:11
